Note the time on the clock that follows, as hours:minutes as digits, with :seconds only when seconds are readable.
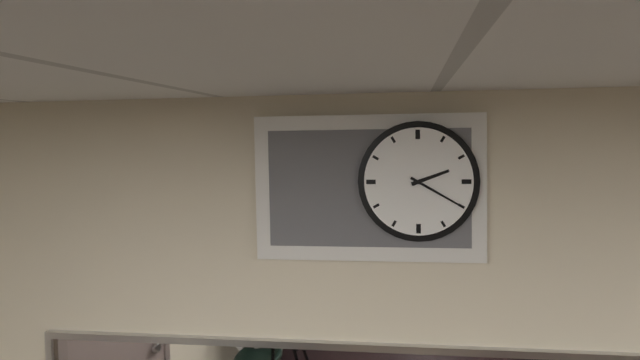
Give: 2:20
